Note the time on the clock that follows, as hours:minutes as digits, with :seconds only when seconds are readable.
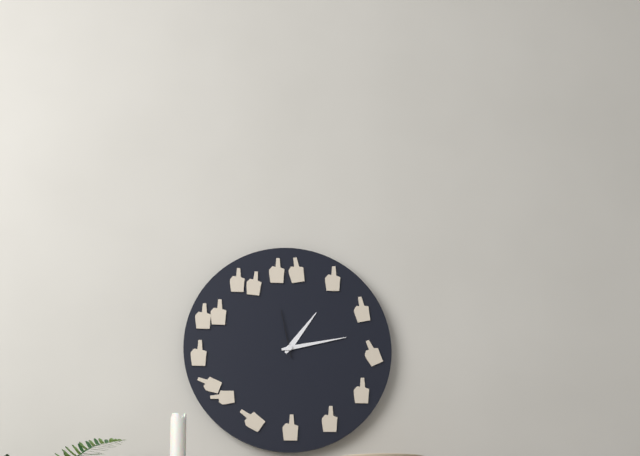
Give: 1:13:58
